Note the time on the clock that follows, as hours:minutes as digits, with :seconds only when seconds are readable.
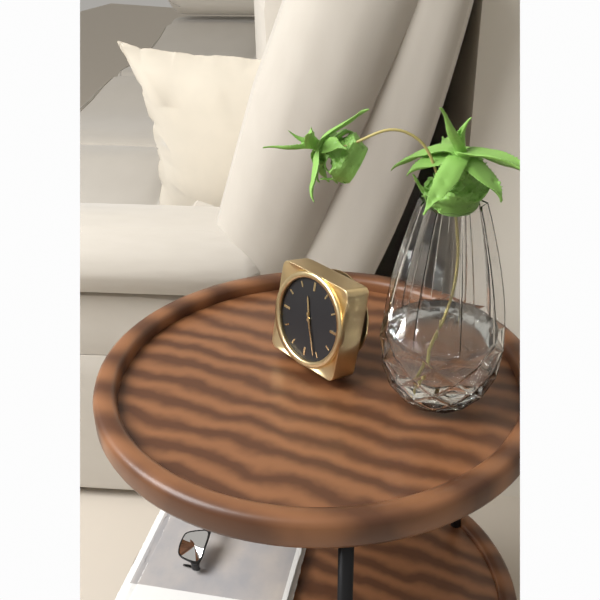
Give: 11:26
